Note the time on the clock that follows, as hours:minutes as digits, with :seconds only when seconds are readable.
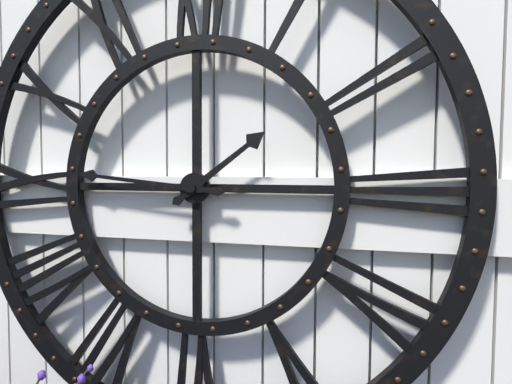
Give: 1:46
